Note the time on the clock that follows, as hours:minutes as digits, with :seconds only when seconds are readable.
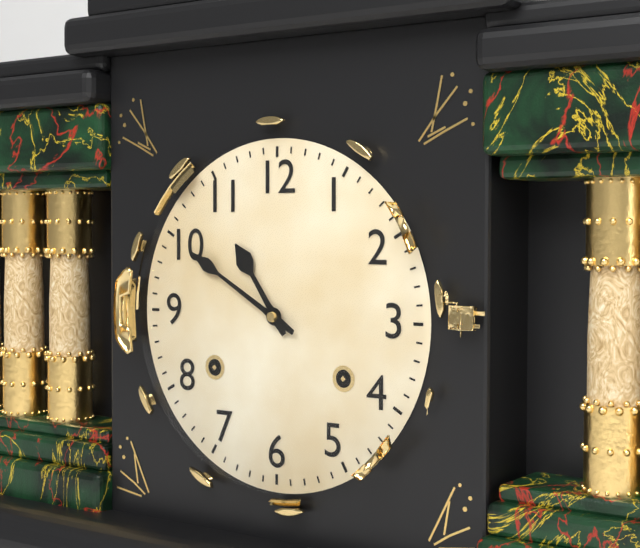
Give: 10:50
